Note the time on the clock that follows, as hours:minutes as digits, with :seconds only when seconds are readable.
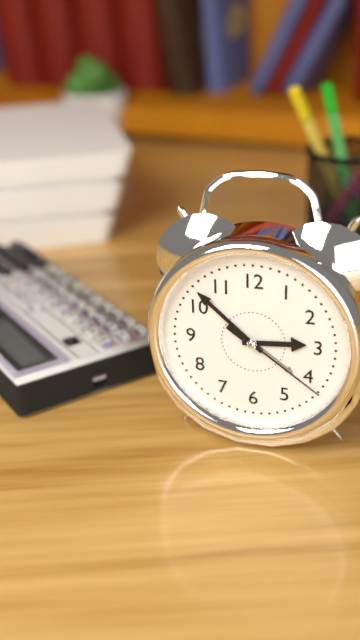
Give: 2:52:21
